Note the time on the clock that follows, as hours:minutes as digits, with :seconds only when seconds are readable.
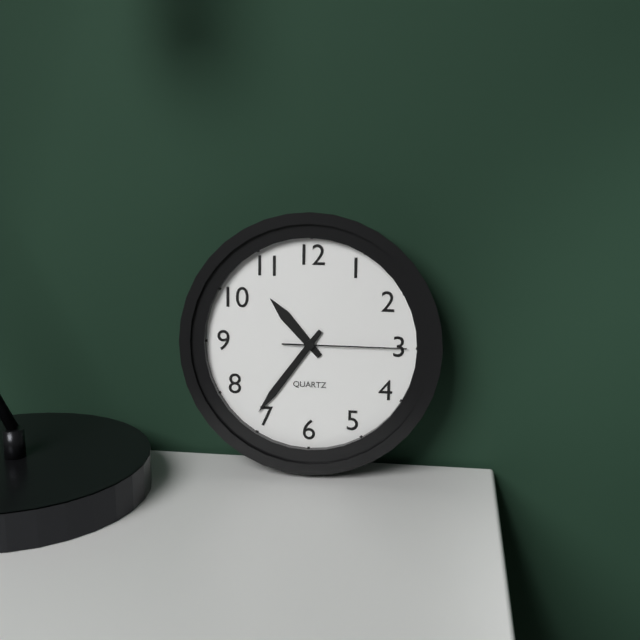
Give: 10:36:15
